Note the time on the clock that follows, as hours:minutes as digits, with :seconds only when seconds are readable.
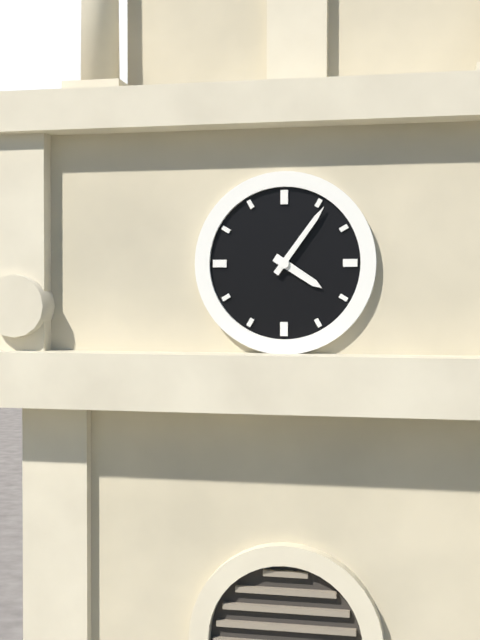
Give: 4:06
